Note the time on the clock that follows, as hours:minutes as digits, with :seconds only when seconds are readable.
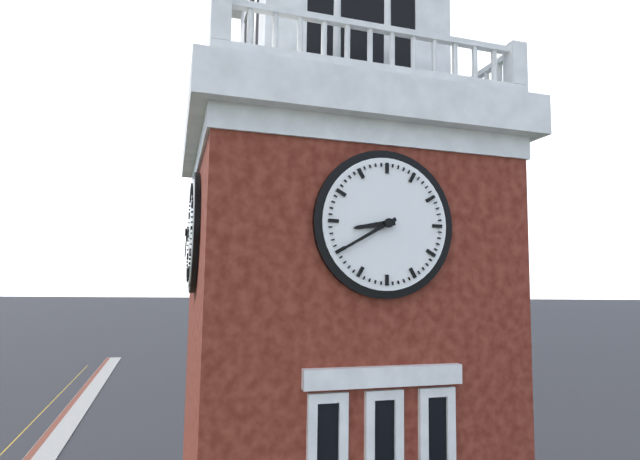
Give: 8:40
